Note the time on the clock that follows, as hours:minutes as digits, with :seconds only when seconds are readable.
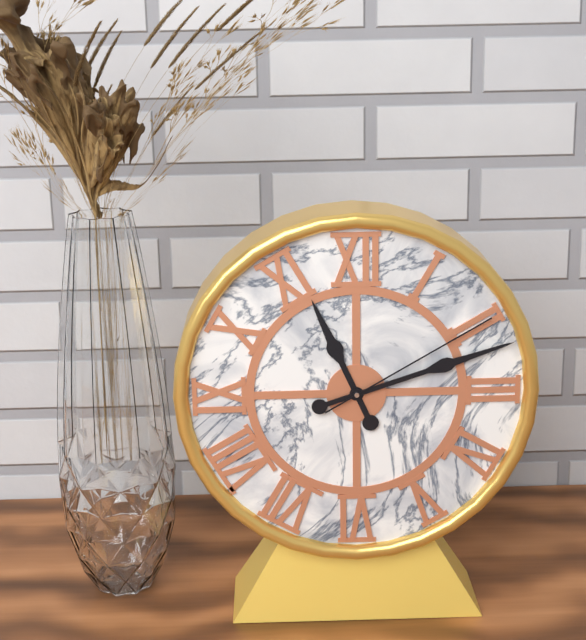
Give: 11:12:10
